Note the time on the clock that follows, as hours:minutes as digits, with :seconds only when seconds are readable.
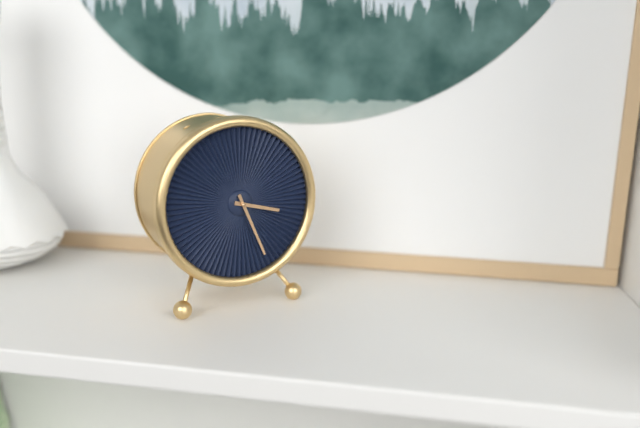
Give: 3:26
